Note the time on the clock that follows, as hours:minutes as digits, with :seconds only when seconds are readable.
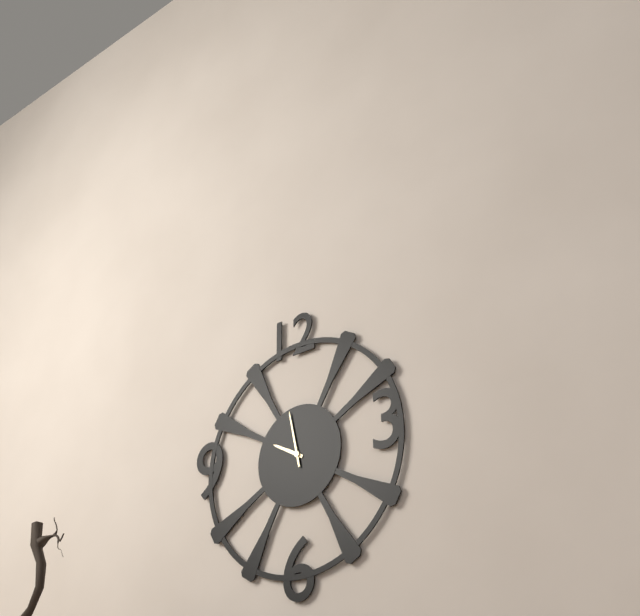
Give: 9:58
